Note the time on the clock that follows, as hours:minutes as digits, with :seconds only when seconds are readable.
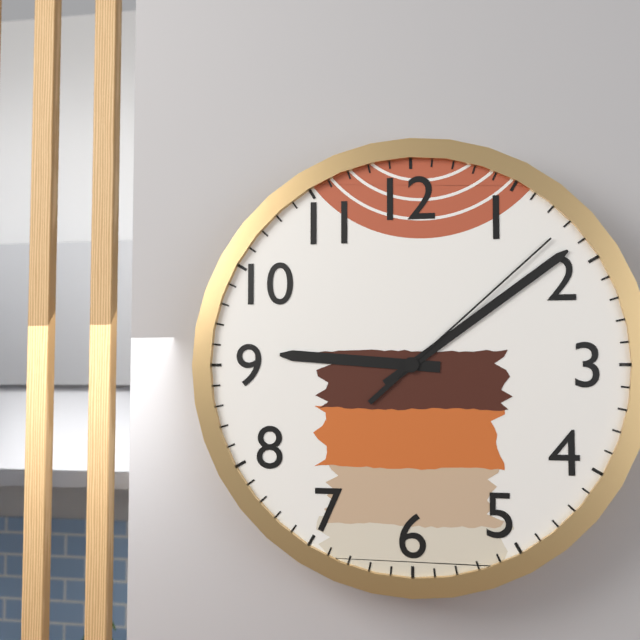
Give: 9:09:08
